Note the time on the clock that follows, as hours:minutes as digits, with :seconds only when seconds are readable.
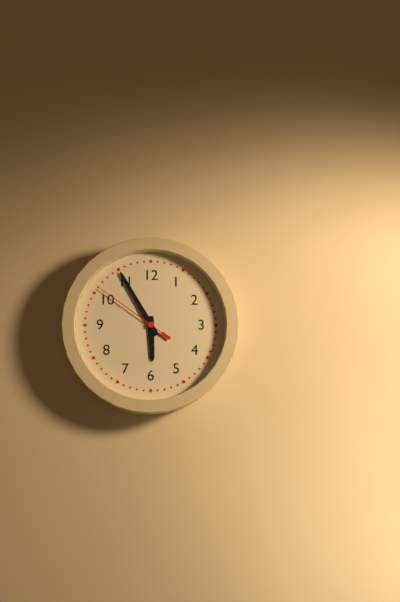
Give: 5:55:51
